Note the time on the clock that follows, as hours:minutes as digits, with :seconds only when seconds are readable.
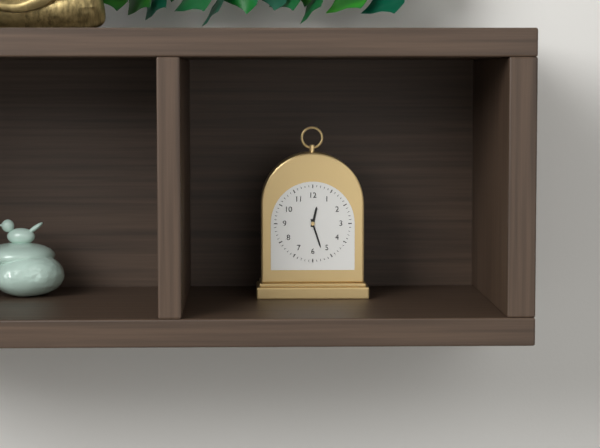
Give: 12:27
